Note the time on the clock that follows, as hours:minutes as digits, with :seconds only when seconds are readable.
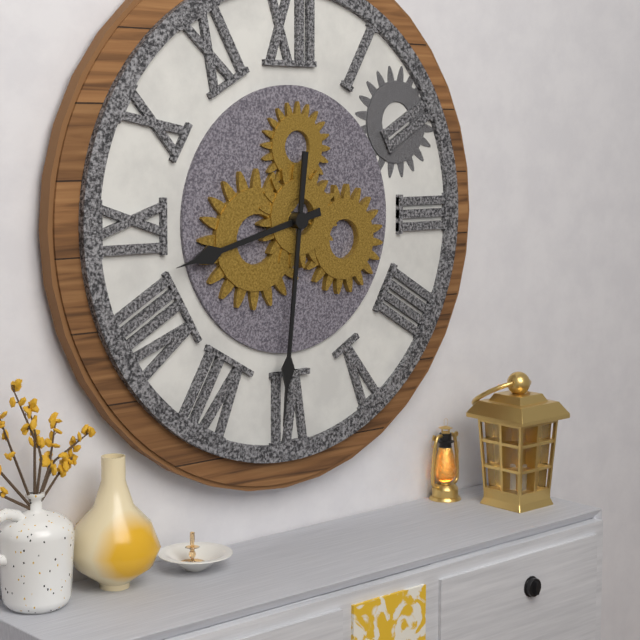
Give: 8:31
